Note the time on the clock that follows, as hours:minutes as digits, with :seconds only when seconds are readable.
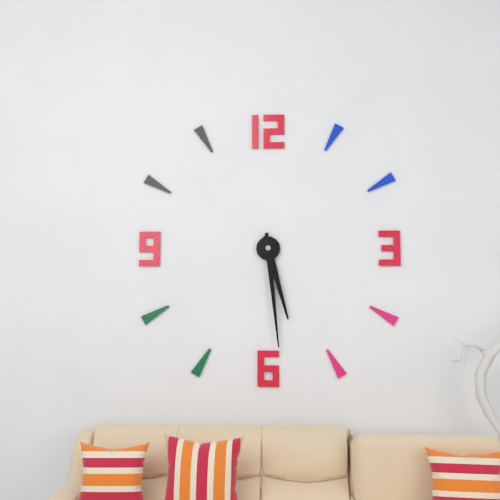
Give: 5:29
